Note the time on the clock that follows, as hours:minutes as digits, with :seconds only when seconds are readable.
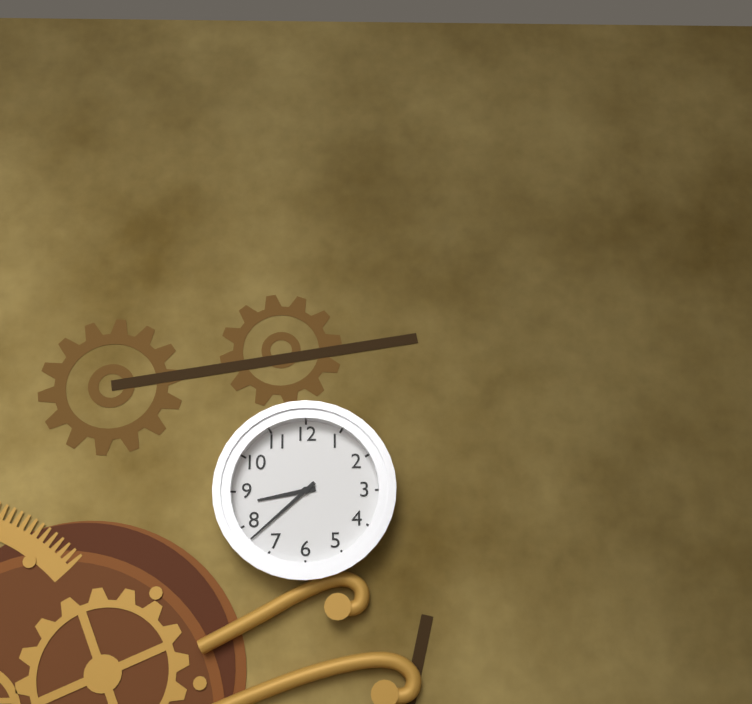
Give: 8:38
